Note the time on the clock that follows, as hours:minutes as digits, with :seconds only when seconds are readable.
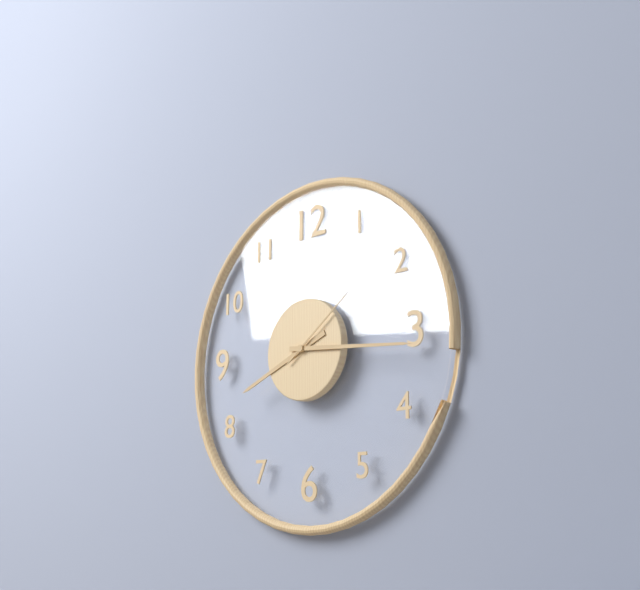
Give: 8:16:09
